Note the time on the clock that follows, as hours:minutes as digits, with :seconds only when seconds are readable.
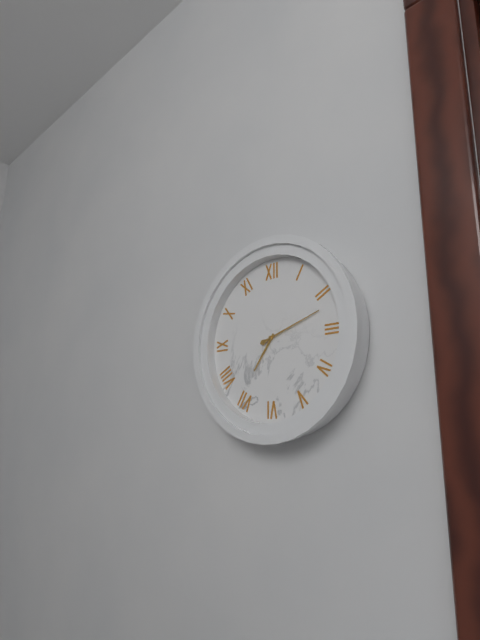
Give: 7:12
